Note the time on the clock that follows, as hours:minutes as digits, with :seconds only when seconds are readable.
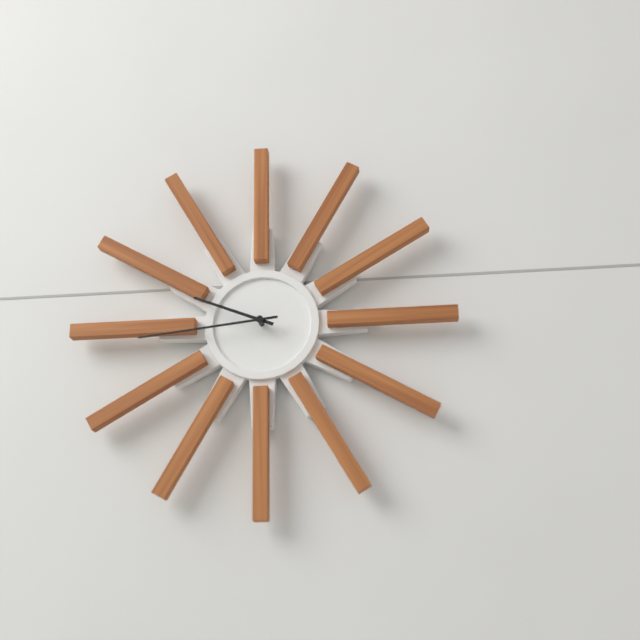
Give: 9:44
